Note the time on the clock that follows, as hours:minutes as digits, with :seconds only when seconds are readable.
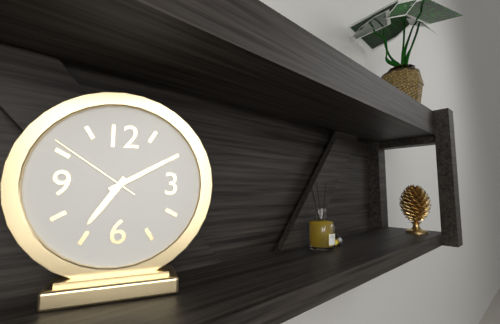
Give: 7:10:51
